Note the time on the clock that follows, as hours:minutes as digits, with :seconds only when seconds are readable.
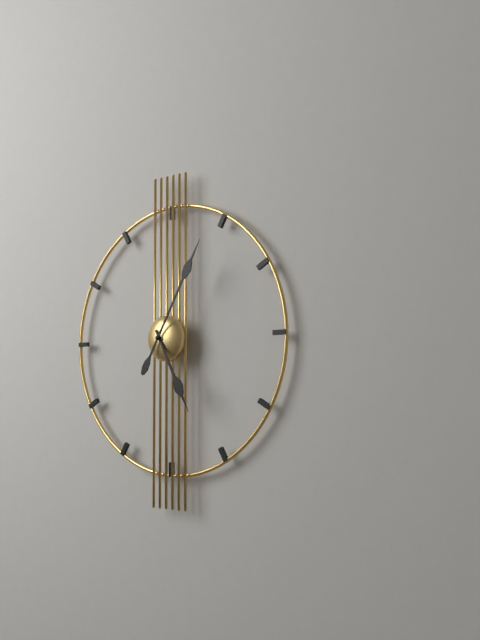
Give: 5:05
